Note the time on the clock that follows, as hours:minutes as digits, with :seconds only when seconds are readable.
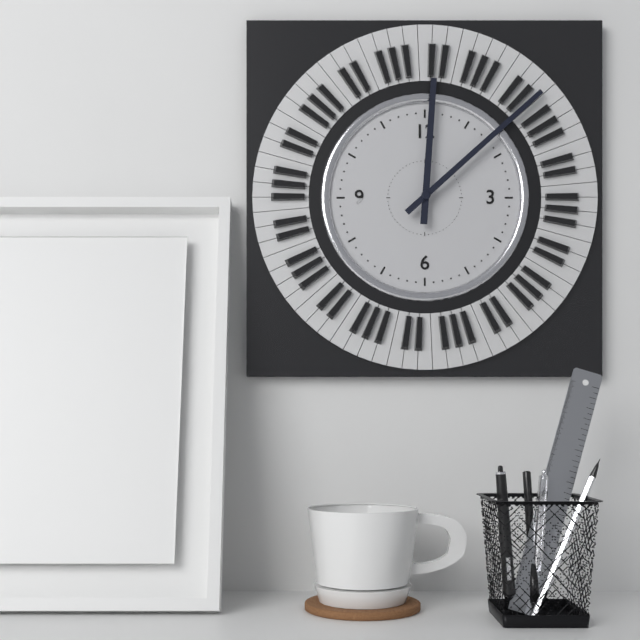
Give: 12:08
